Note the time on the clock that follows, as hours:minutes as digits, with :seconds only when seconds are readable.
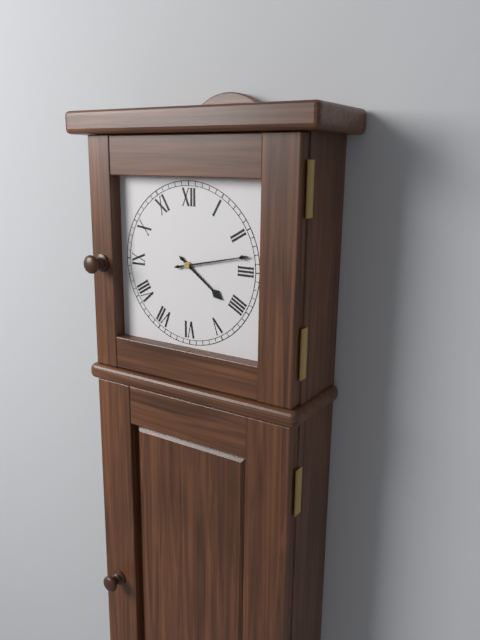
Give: 4:13
